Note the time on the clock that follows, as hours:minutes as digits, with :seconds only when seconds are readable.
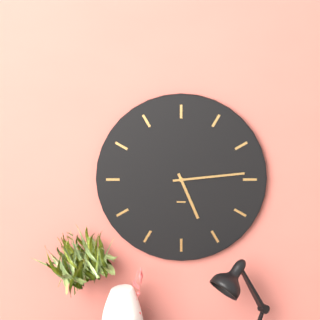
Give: 5:14
